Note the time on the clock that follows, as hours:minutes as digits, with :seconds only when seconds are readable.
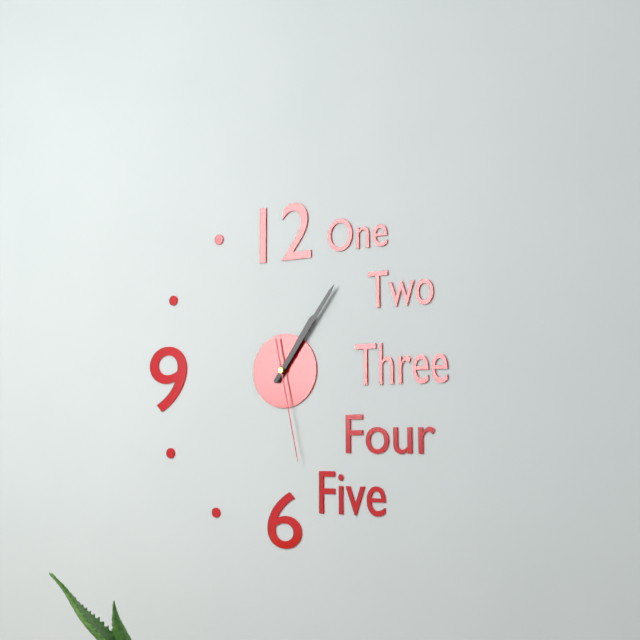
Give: 1:06:28
